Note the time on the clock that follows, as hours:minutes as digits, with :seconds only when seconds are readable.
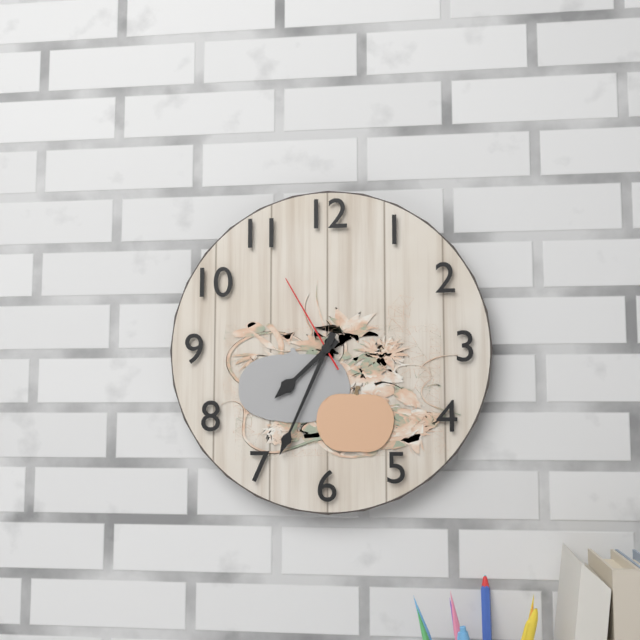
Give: 7:34:55
